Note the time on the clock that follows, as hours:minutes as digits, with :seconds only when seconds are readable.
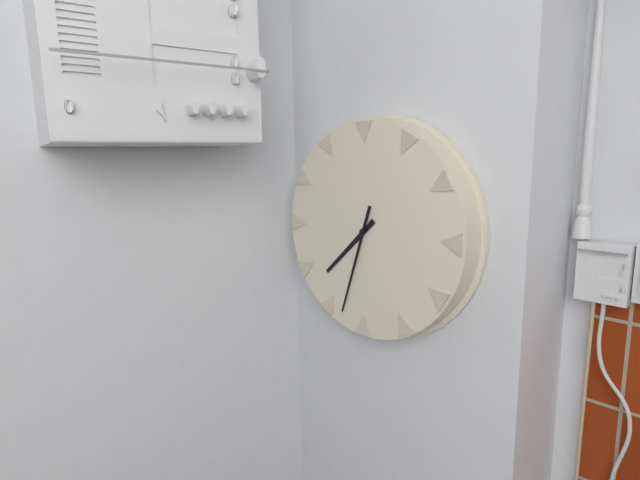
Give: 7:33
